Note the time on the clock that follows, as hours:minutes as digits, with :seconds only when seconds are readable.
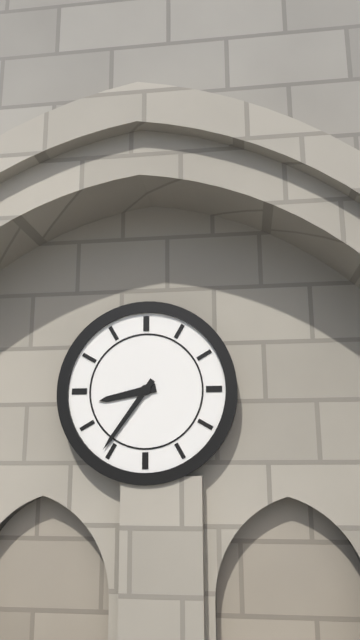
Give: 8:36
